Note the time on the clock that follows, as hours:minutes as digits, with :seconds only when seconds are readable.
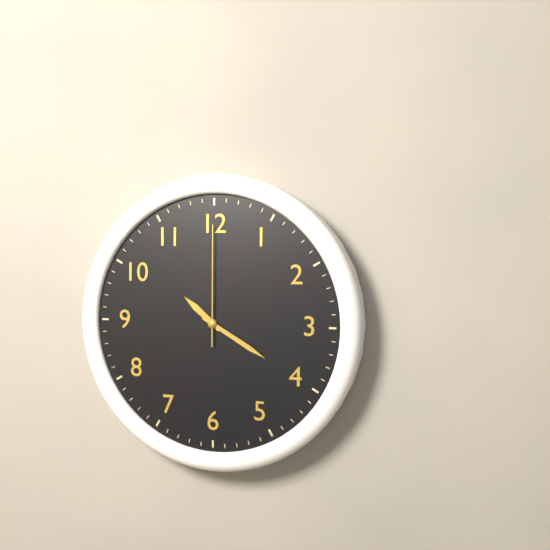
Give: 10:20:00
